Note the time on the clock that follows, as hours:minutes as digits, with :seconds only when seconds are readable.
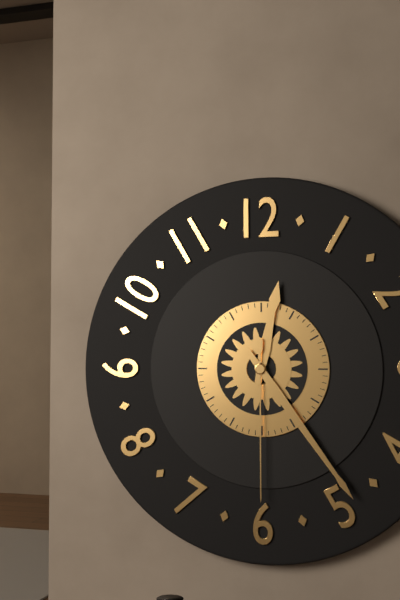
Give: 12:24:30
